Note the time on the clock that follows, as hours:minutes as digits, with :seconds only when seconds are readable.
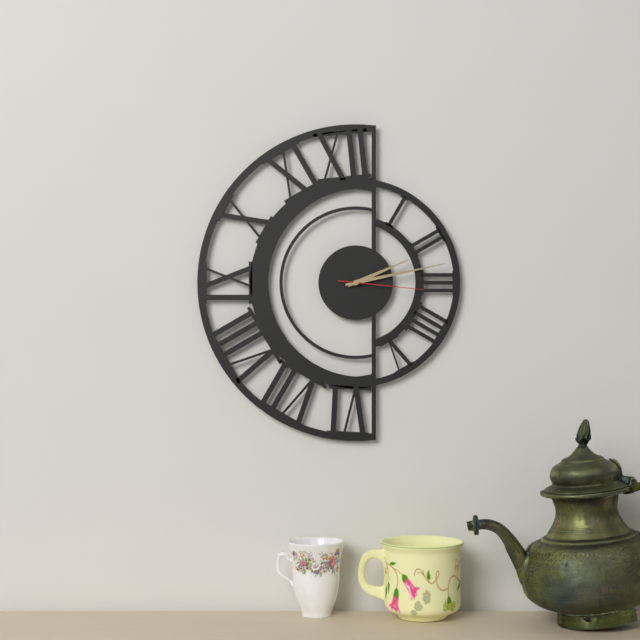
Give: 2:13:16
